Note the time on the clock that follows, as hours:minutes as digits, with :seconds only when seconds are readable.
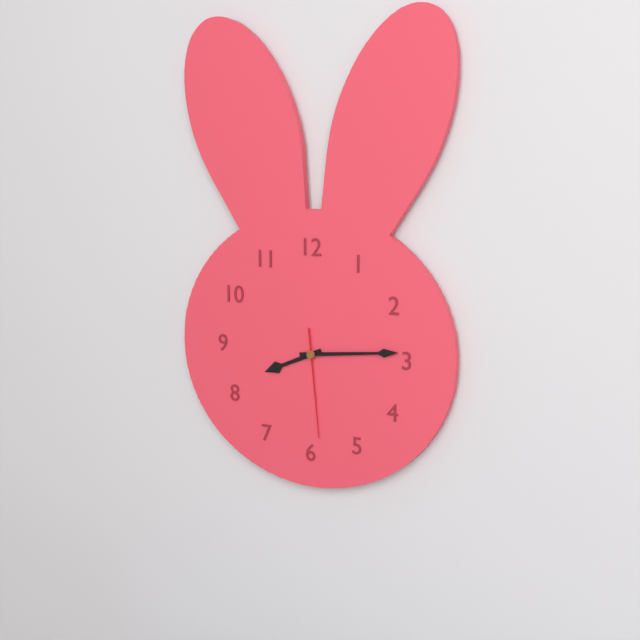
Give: 8:14:29
